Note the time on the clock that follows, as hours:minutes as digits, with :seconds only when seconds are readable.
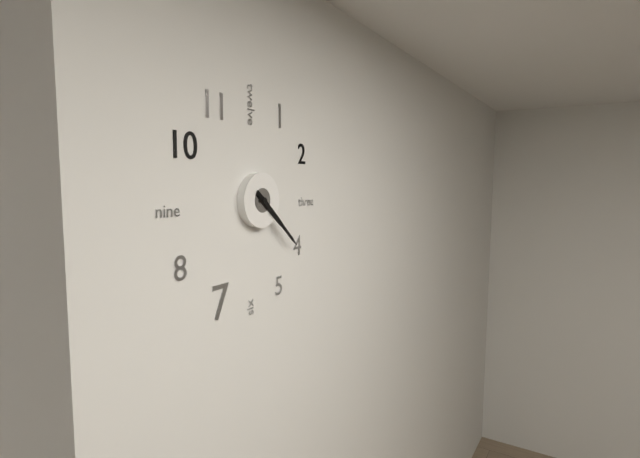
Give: 4:22
